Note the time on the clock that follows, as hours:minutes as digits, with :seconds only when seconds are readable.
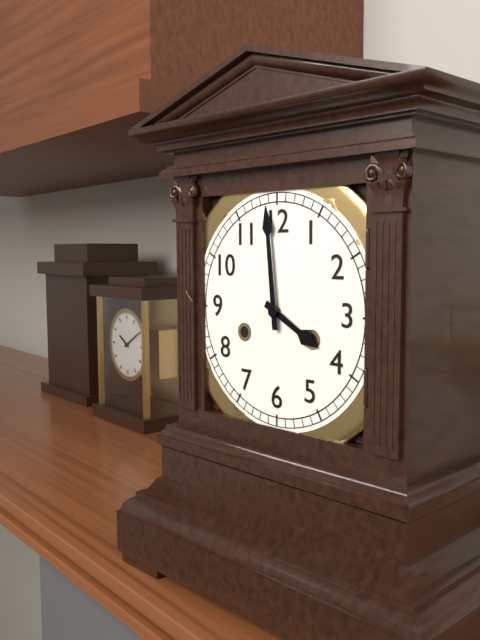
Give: 3:59
